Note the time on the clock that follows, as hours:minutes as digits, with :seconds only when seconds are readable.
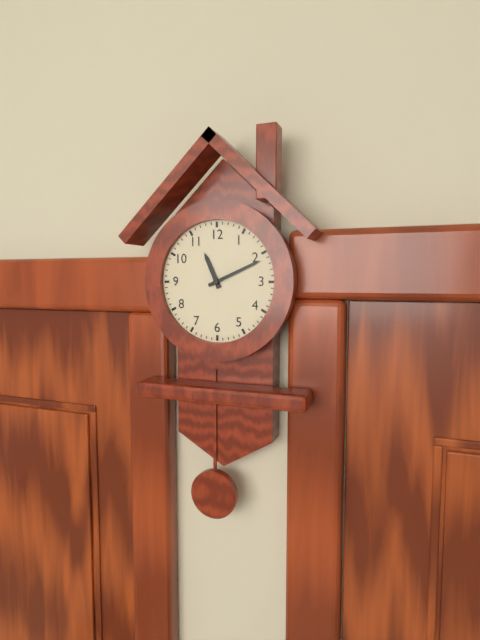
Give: 11:11
